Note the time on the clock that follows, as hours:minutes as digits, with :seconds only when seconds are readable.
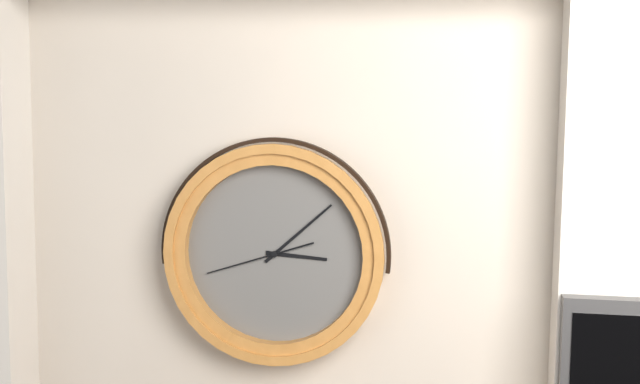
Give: 3:08:42
